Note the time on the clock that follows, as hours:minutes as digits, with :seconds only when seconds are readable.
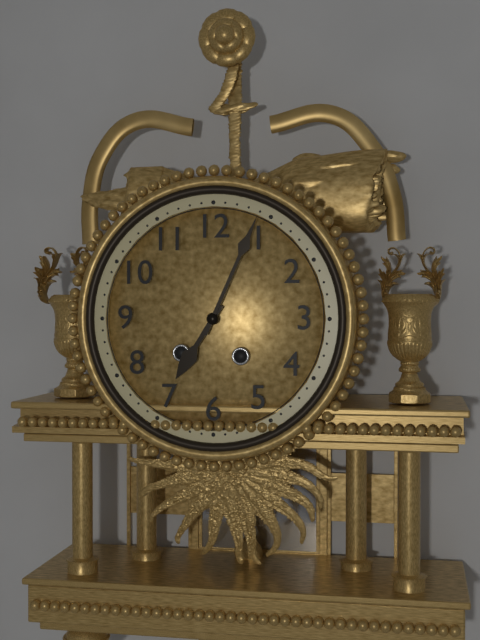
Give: 7:04
